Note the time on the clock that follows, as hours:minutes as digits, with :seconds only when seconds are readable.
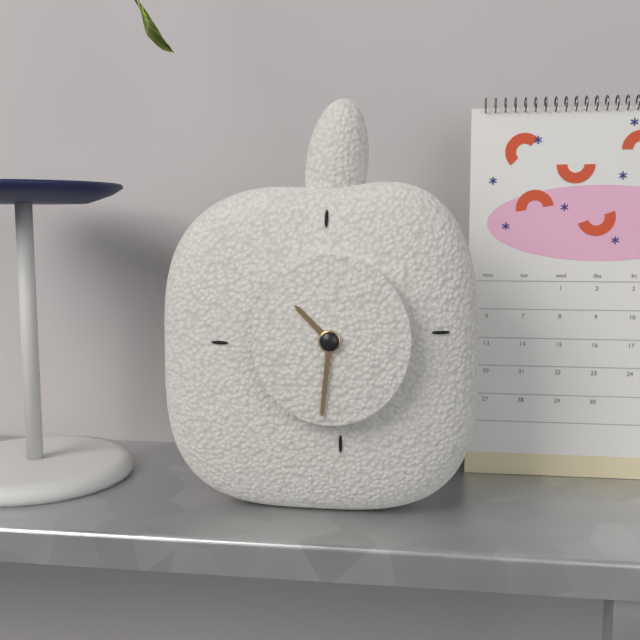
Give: 10:31
